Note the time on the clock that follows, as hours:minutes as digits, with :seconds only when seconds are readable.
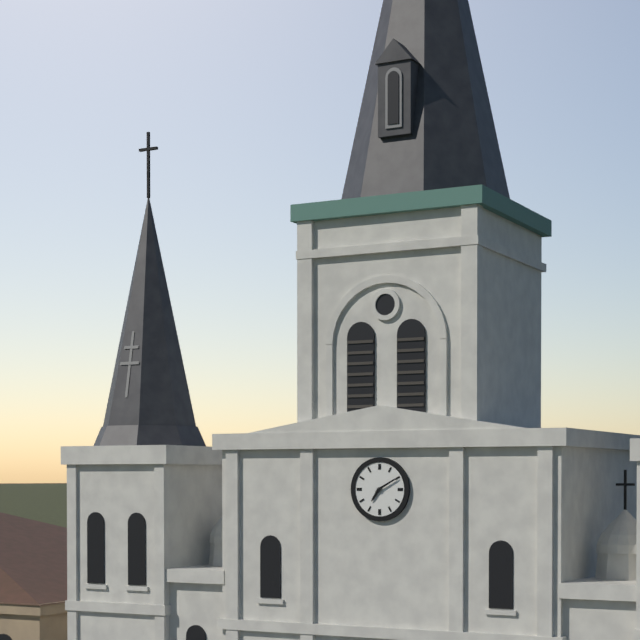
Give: 7:10
